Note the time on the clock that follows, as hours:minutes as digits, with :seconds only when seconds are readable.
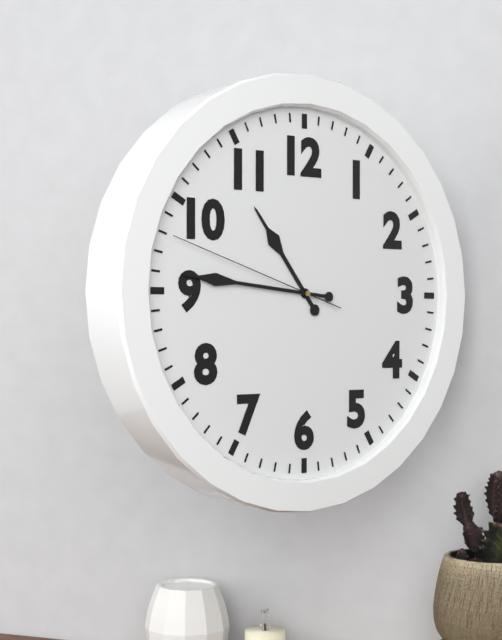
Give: 10:46:48
